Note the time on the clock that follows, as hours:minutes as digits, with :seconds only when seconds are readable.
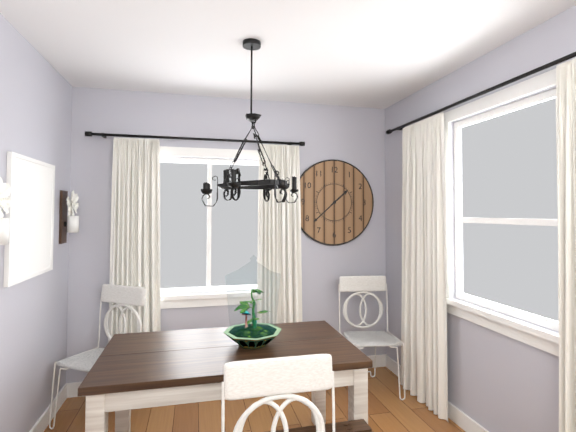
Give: 1:38
